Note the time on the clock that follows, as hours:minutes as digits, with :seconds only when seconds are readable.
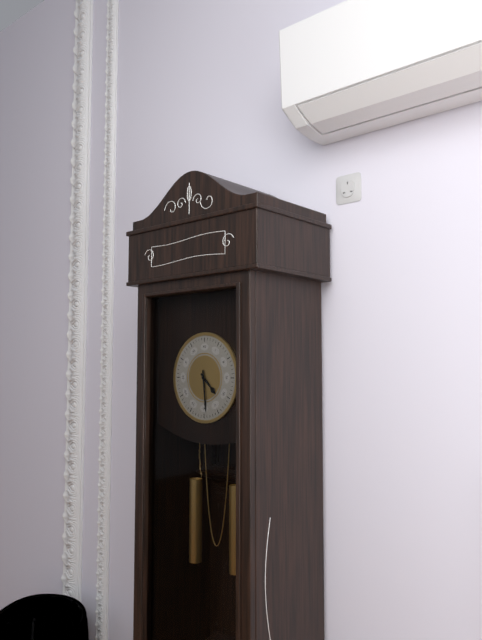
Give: 4:29
